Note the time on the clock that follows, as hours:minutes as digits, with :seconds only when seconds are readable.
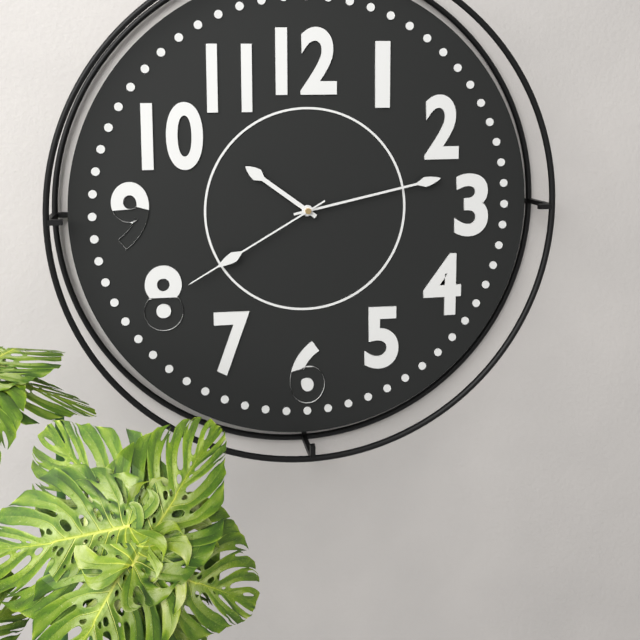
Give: 10:13:40
